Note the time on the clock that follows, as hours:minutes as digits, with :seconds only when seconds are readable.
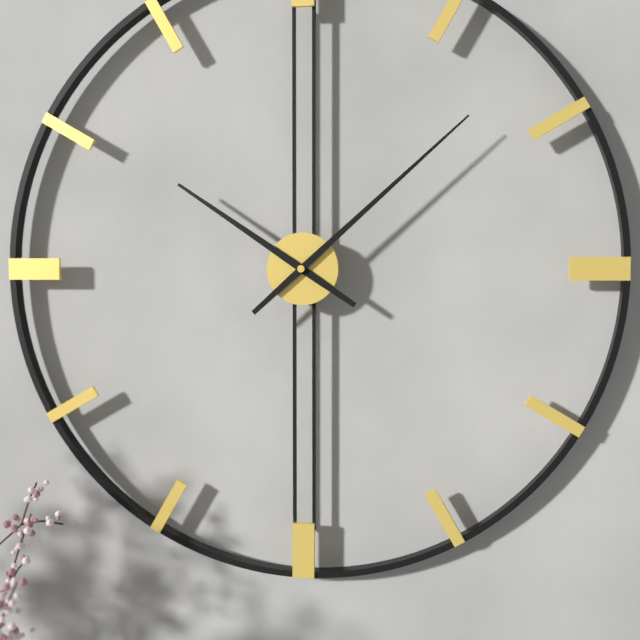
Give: 10:08
